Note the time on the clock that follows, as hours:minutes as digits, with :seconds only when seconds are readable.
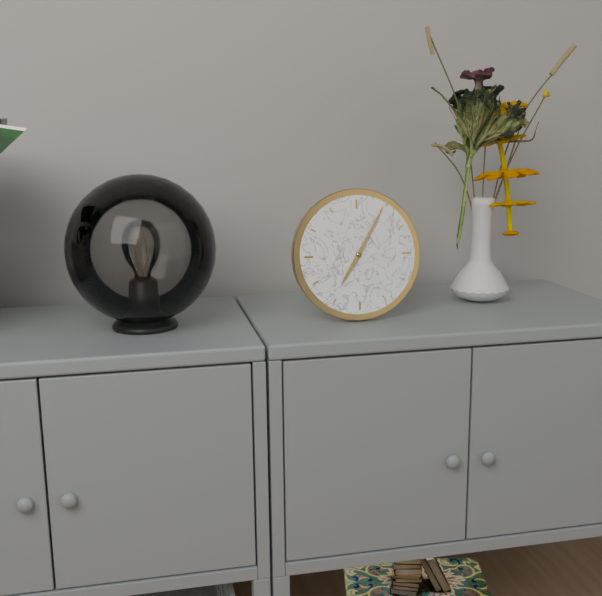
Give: 7:05
